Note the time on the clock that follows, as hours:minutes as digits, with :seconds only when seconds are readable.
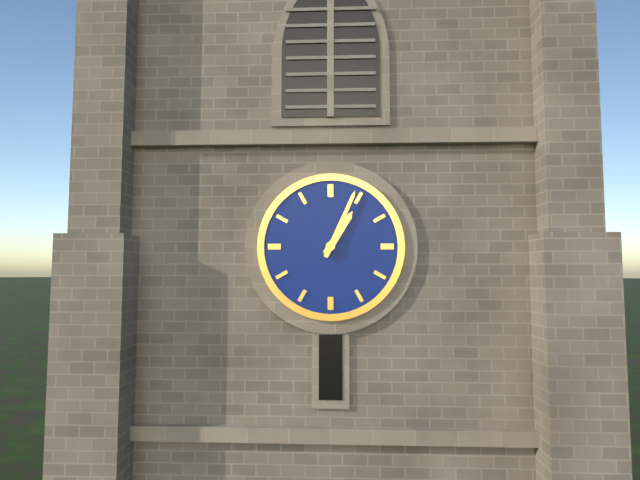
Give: 1:04
